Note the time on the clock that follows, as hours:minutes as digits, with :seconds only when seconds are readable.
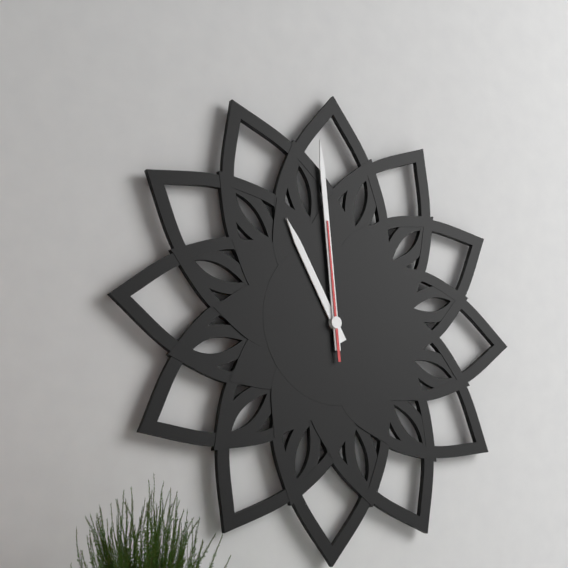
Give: 10:59:59
